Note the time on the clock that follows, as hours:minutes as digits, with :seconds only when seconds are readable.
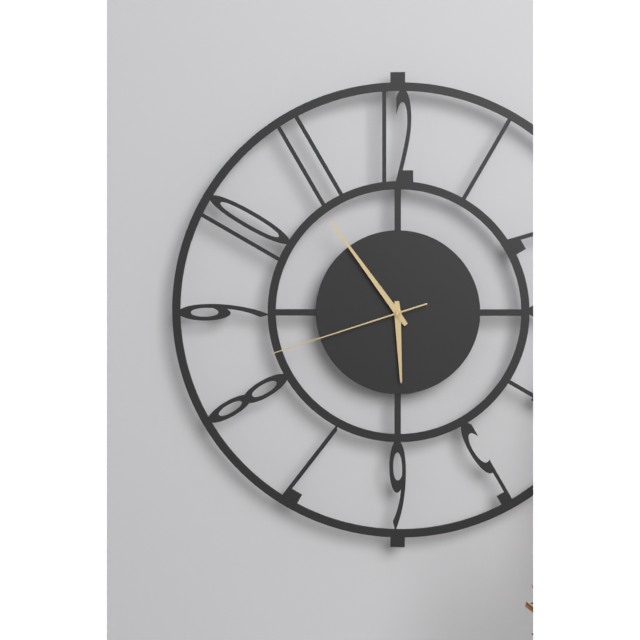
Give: 5:54:42
